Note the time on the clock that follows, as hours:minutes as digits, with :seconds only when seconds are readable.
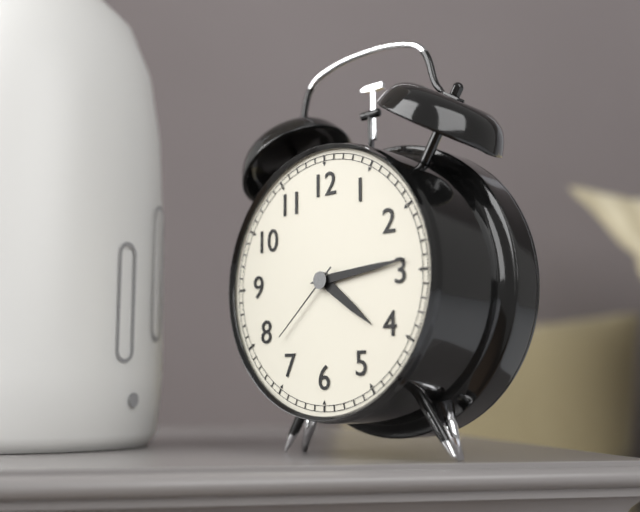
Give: 4:14:38
